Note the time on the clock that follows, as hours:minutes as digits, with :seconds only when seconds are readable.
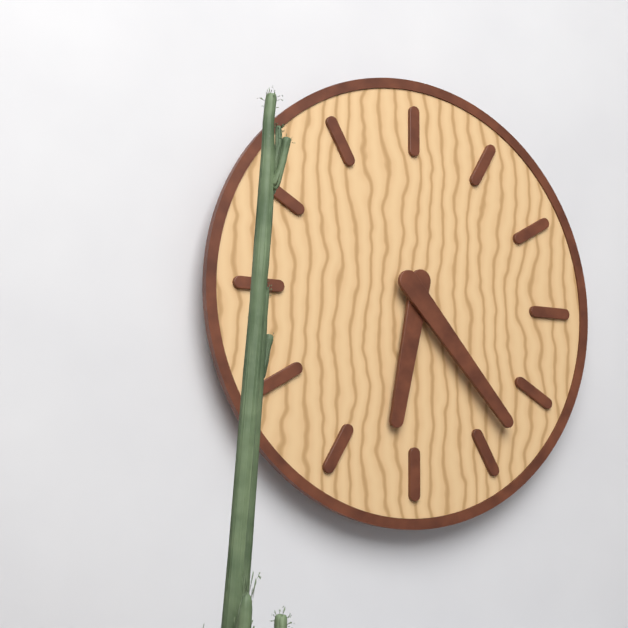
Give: 6:23
